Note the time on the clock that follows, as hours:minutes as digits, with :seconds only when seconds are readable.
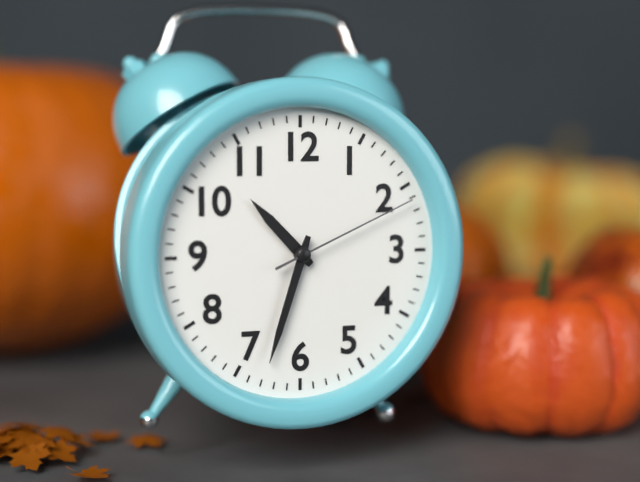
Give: 10:33:11
